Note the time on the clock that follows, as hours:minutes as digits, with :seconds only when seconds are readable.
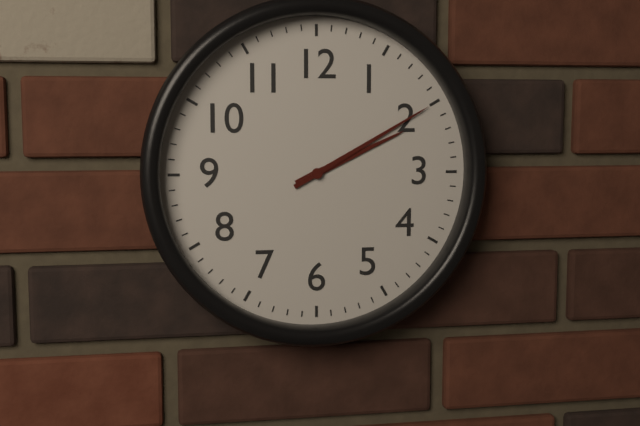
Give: 2:10
